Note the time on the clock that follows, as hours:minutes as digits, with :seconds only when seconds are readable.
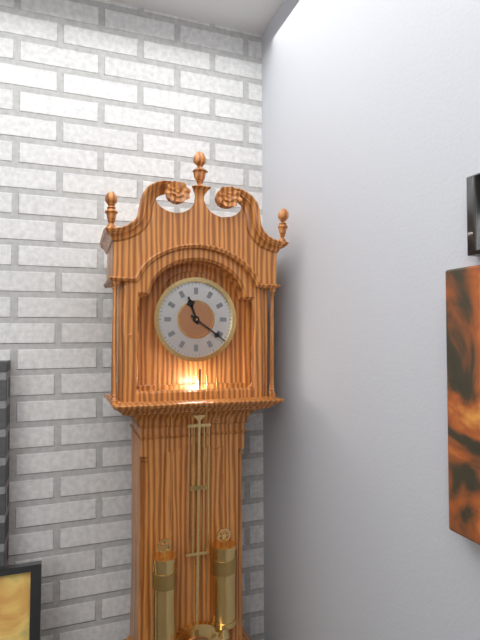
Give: 11:21
